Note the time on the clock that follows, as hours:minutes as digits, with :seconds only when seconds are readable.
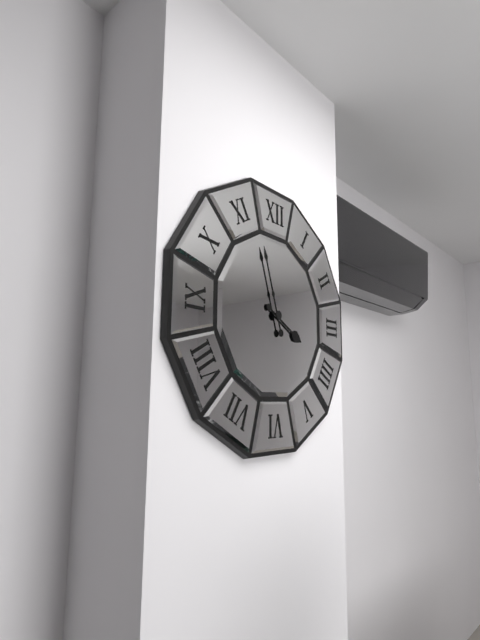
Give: 3:57
